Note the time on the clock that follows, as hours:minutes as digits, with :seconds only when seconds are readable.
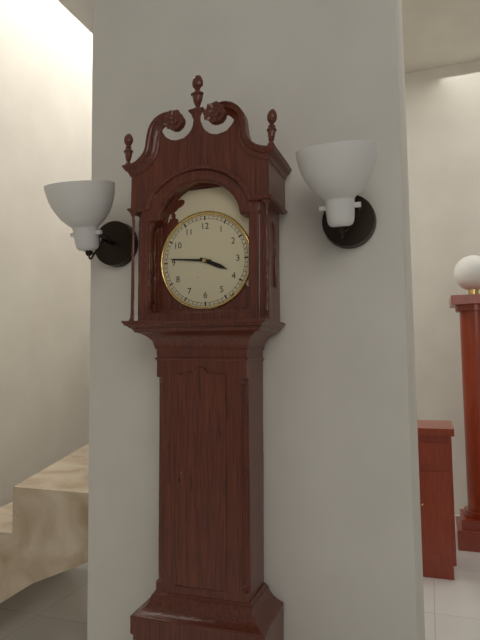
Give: 3:46
